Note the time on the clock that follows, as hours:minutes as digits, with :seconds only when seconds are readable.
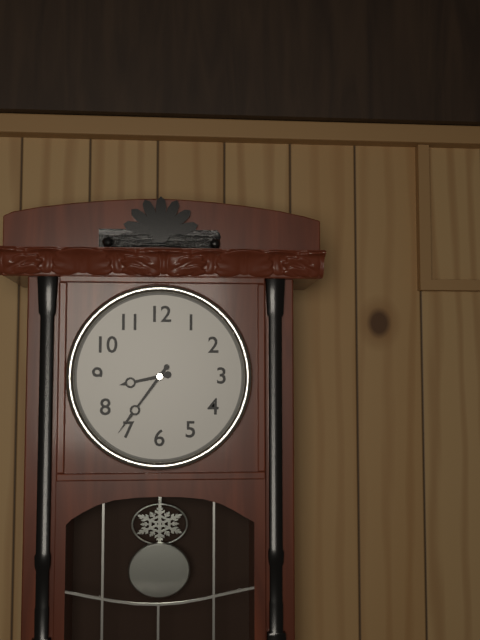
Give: 8:36
